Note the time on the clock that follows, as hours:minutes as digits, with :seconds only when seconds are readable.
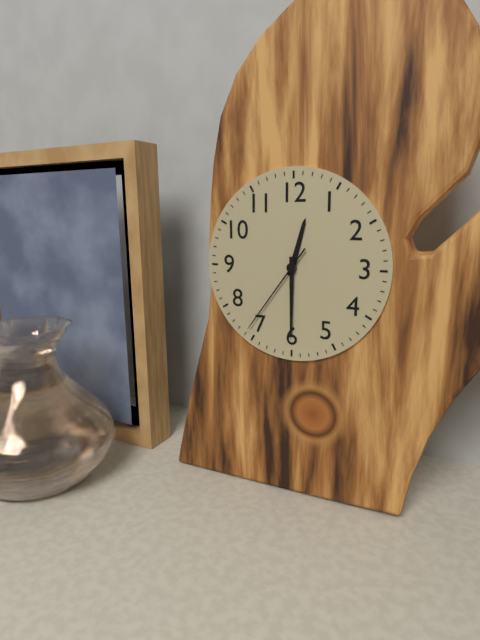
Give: 12:30:36
